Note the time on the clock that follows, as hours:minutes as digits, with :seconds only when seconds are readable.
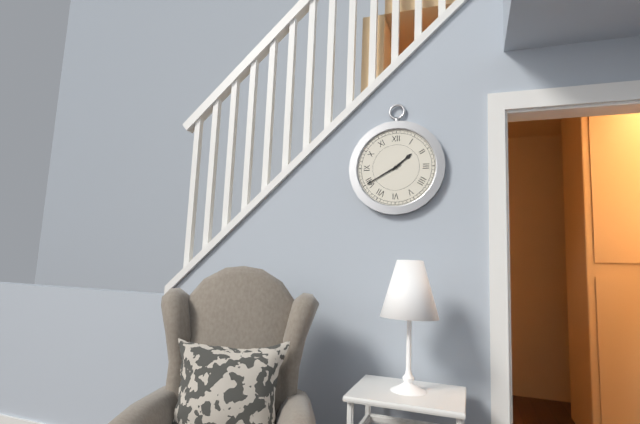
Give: 1:40
